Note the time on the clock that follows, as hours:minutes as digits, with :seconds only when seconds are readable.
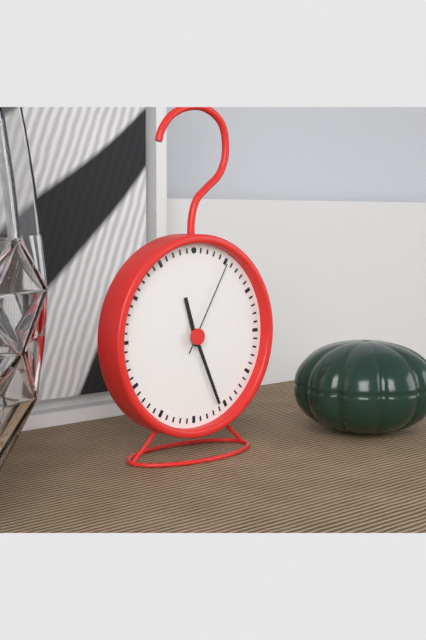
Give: 11:26:05
